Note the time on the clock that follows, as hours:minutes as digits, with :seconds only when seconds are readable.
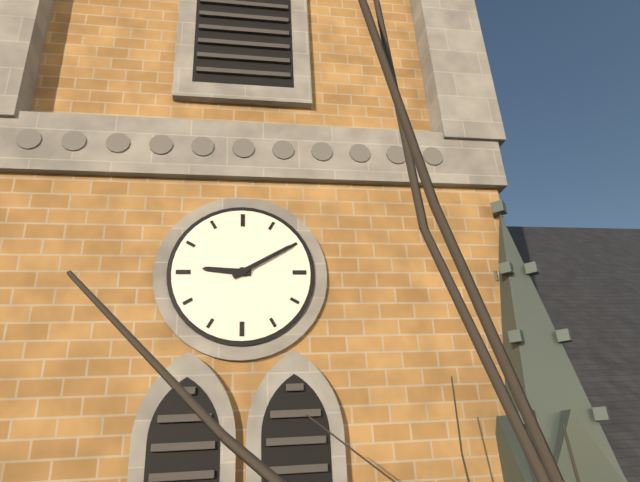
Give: 9:10
